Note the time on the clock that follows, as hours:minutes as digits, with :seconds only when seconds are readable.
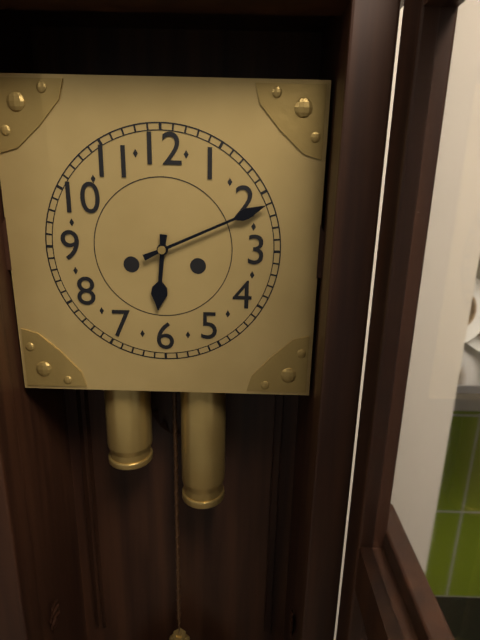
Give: 6:11
